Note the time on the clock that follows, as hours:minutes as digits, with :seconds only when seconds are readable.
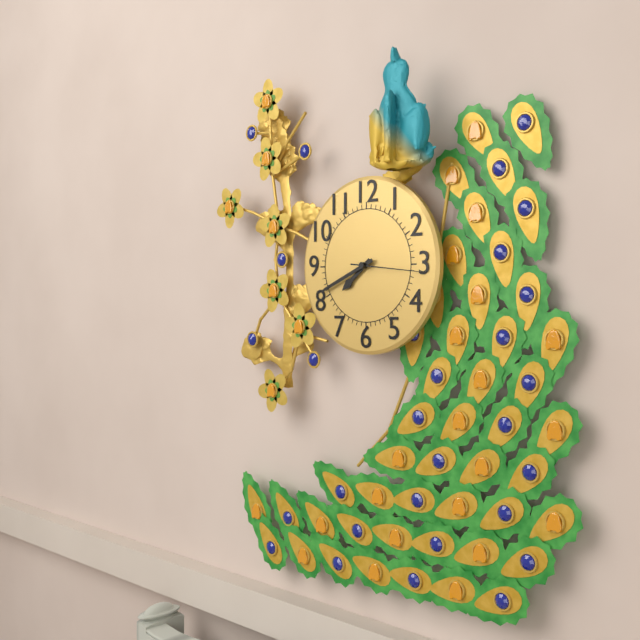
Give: 7:41:16
